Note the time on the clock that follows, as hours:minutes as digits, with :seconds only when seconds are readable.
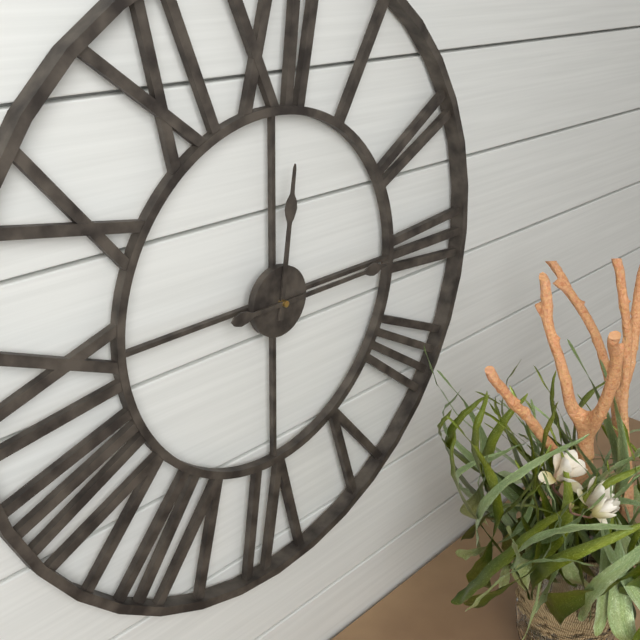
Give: 12:15
